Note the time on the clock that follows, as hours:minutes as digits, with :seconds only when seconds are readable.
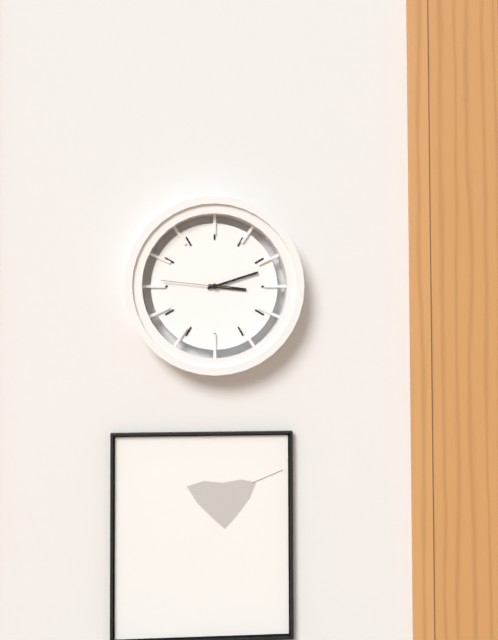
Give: 3:12:46
